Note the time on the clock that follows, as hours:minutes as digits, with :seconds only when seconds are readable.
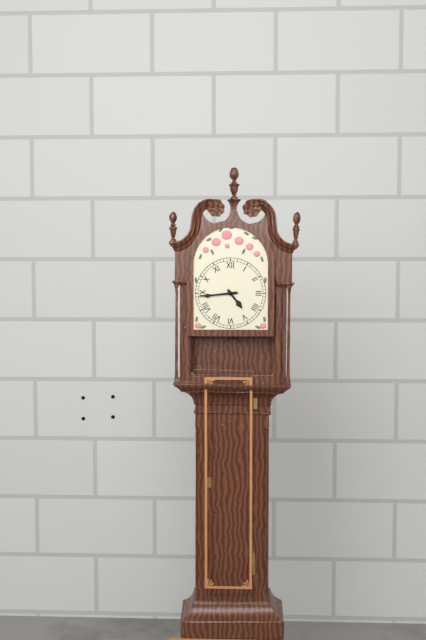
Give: 4:44
